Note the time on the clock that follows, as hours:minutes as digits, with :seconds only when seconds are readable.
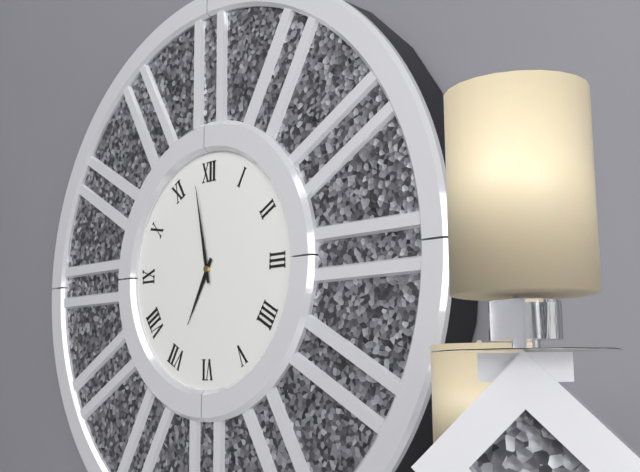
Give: 6:58
